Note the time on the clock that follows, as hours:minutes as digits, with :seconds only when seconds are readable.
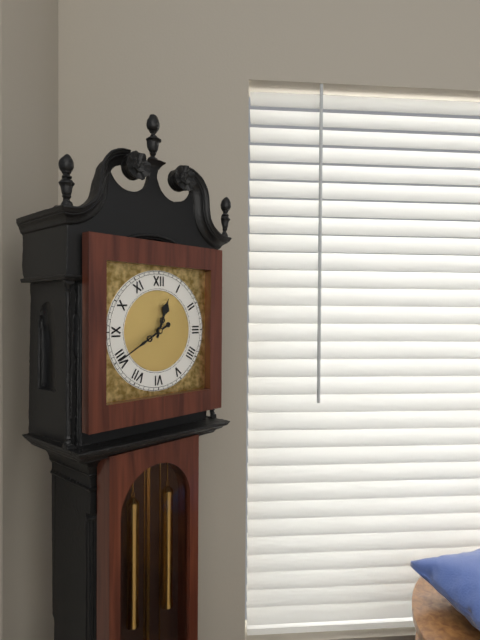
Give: 12:40
